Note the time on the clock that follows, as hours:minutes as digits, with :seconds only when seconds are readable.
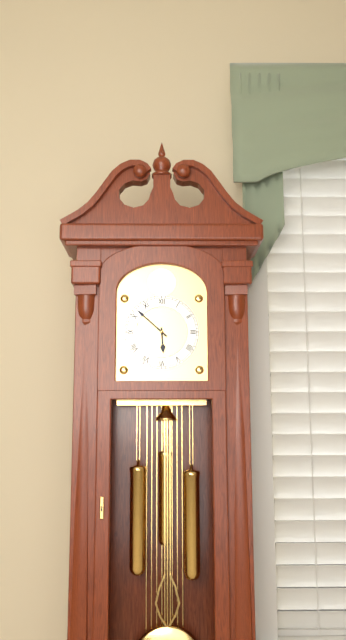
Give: 5:52
